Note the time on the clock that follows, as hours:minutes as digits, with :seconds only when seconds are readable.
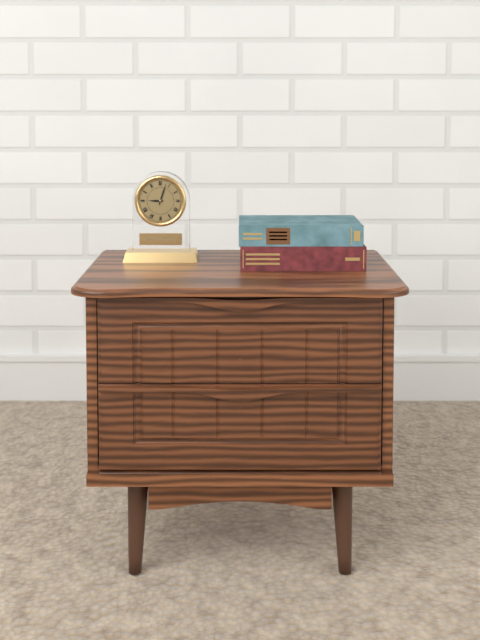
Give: 9:03
